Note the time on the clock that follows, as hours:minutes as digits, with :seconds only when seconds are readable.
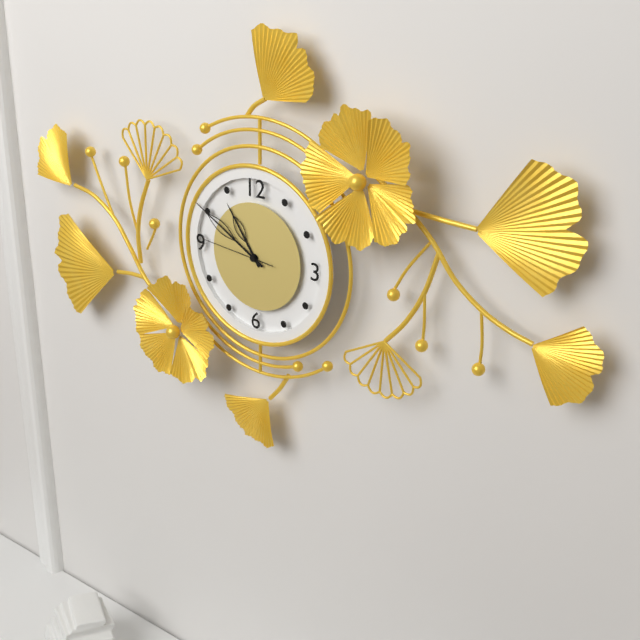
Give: 10:50:46
